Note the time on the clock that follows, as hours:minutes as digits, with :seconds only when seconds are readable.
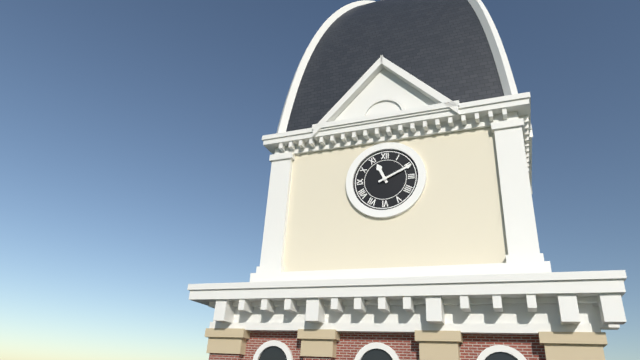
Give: 11:11
